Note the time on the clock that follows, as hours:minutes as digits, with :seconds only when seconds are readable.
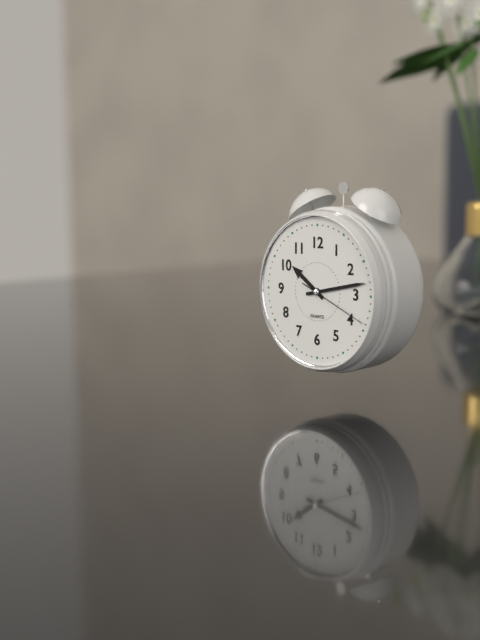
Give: 10:13:19
